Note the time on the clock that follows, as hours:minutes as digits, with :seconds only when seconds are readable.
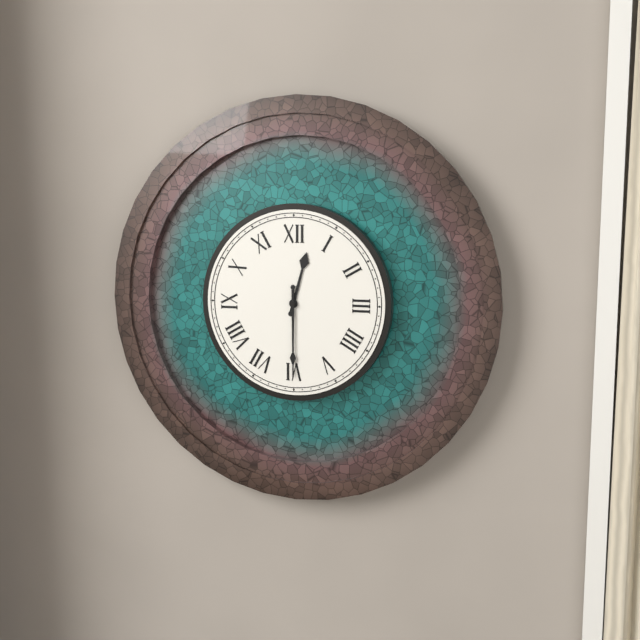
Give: 12:30
